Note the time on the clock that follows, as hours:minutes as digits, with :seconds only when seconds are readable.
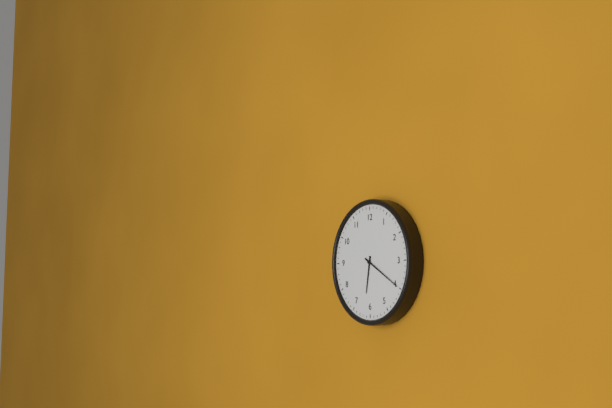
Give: 6:20
